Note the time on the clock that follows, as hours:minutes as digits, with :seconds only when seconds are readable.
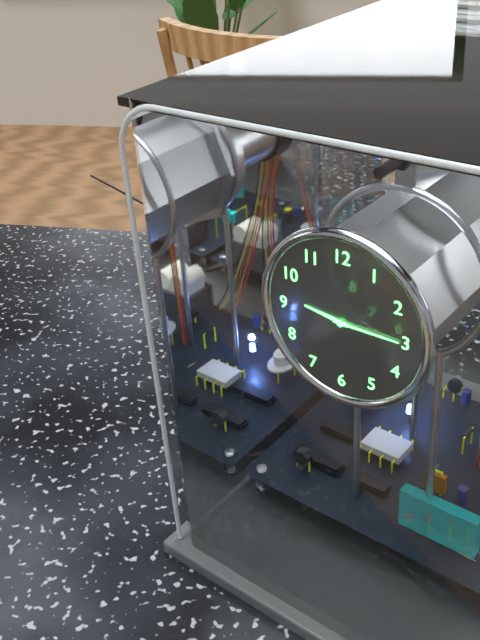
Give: 9:15
